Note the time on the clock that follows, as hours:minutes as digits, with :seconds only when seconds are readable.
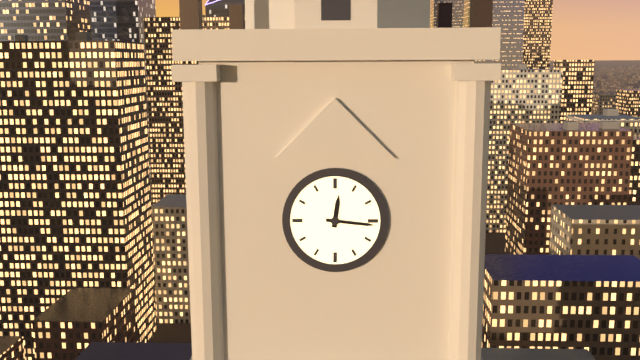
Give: 12:16
